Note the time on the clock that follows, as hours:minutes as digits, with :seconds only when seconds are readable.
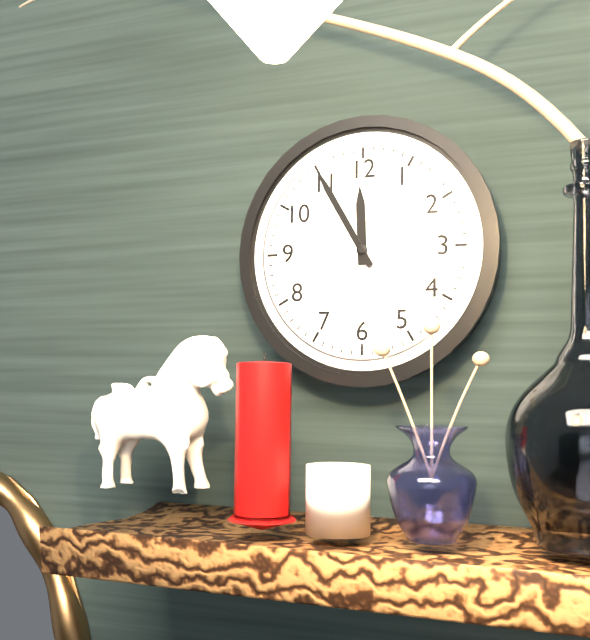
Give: 11:55
